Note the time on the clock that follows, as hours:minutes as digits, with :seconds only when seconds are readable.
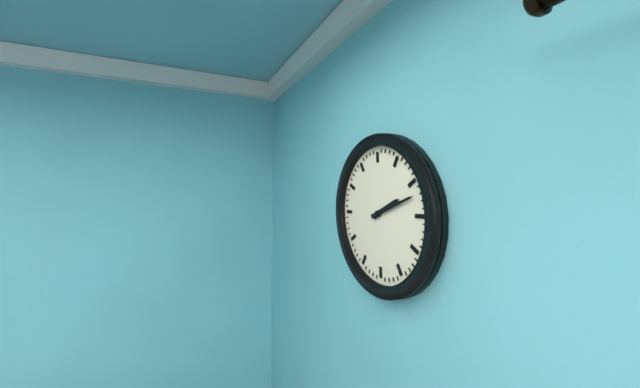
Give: 2:12
